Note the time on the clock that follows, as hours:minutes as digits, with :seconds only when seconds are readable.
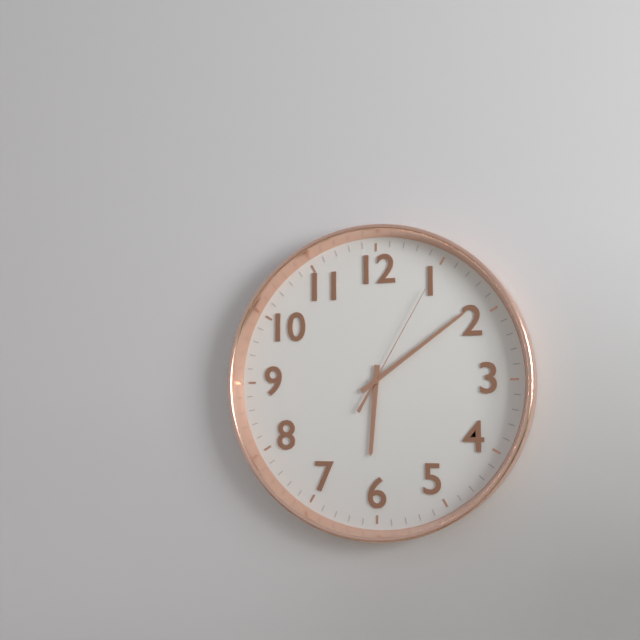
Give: 6:09:05
